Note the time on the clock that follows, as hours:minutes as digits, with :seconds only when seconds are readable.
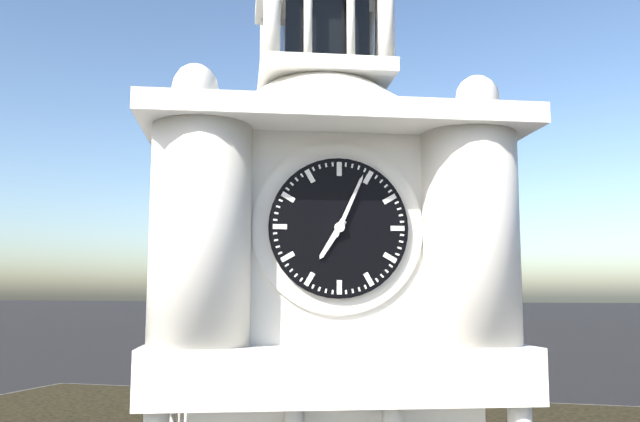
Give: 7:04
